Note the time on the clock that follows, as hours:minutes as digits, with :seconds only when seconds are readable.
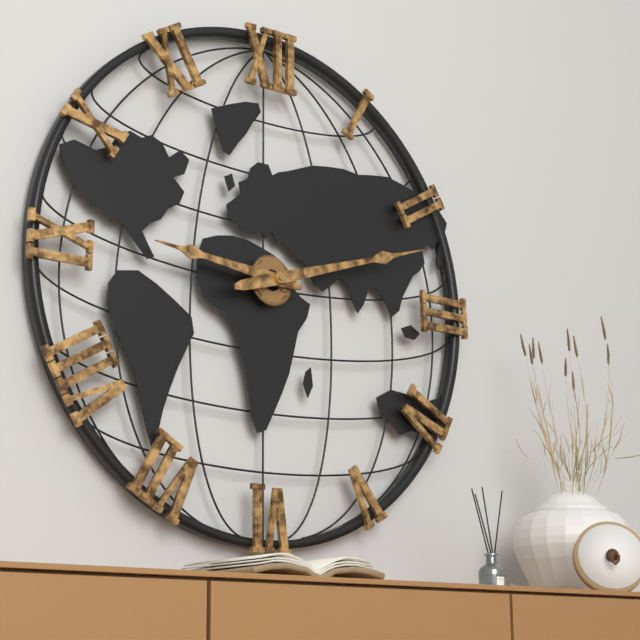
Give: 9:12
